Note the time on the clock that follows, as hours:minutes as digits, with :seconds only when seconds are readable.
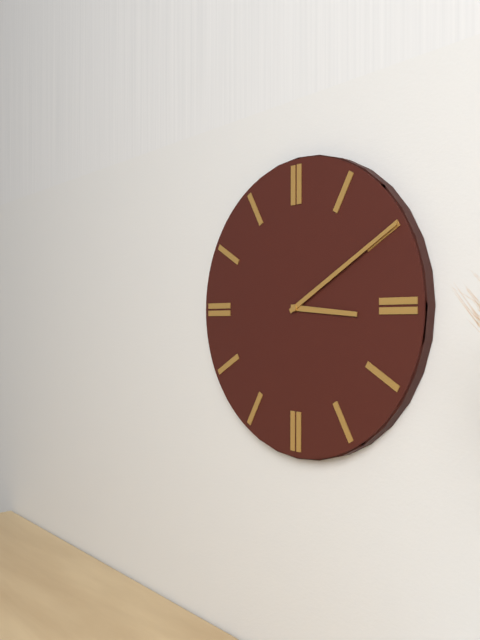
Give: 3:10
